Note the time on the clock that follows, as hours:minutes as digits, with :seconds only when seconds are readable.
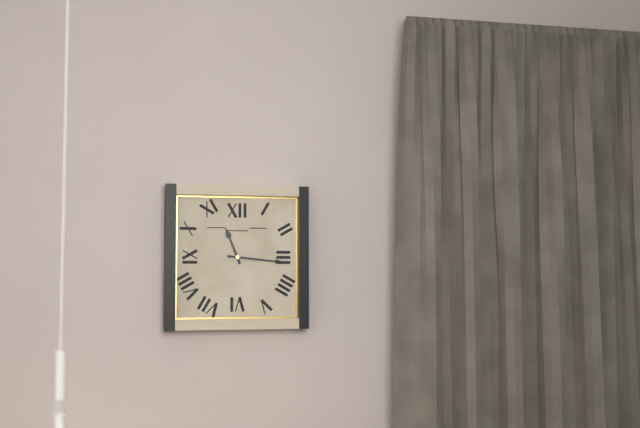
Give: 11:16
